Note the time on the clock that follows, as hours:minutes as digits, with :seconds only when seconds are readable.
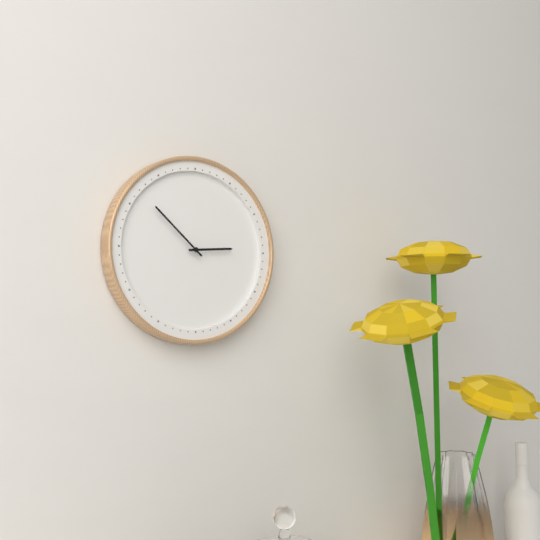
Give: 2:52
